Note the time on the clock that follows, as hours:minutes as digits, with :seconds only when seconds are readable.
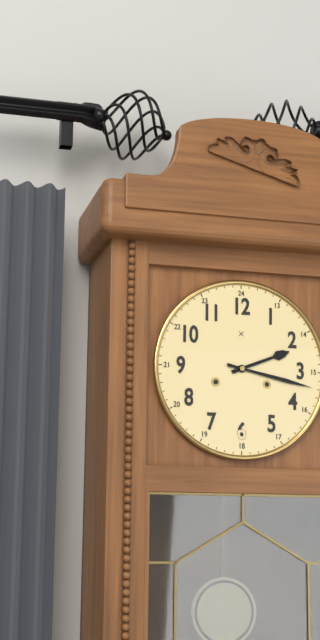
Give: 2:17
